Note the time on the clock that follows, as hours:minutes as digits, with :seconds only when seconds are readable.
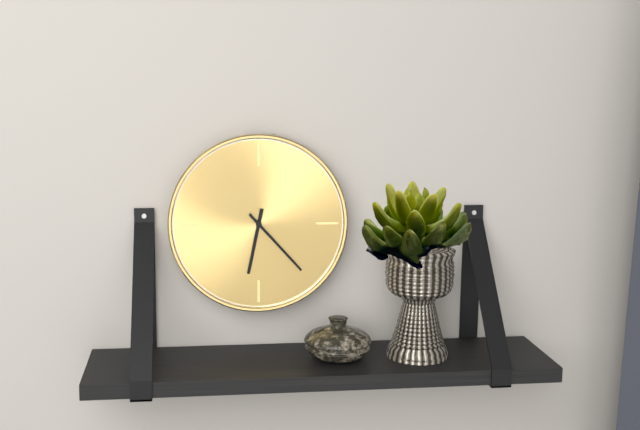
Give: 6:23
